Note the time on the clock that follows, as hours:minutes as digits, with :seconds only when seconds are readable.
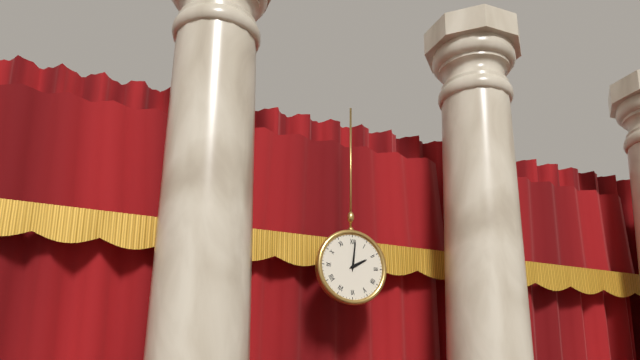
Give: 2:01
